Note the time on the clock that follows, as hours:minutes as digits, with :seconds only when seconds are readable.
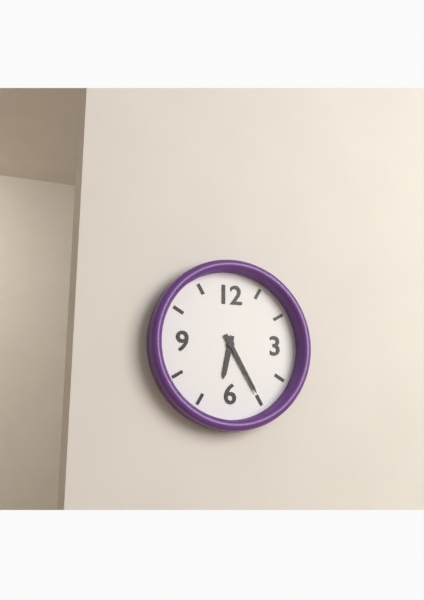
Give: 6:25
